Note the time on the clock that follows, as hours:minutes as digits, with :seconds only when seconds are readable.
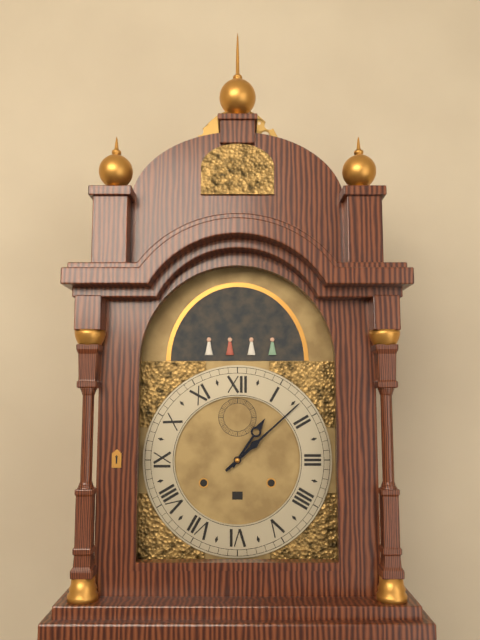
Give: 1:08
